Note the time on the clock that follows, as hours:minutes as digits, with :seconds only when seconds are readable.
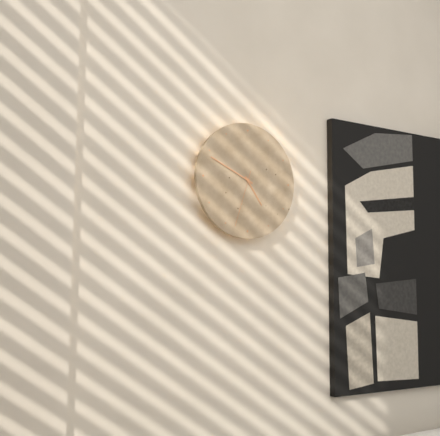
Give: 4:49:33
